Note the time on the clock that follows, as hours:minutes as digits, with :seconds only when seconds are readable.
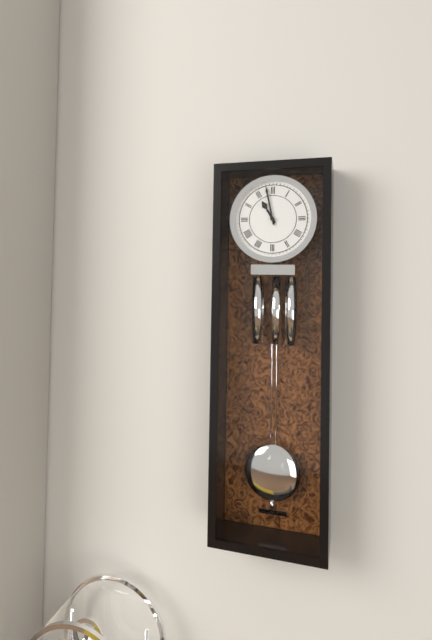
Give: 10:58
